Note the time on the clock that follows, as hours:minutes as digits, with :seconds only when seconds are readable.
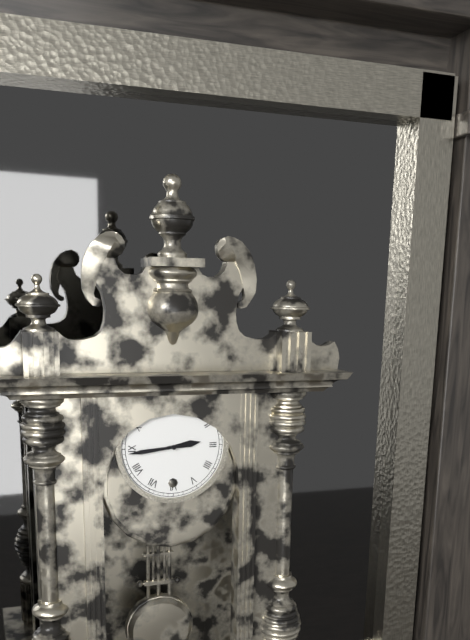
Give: 2:44
